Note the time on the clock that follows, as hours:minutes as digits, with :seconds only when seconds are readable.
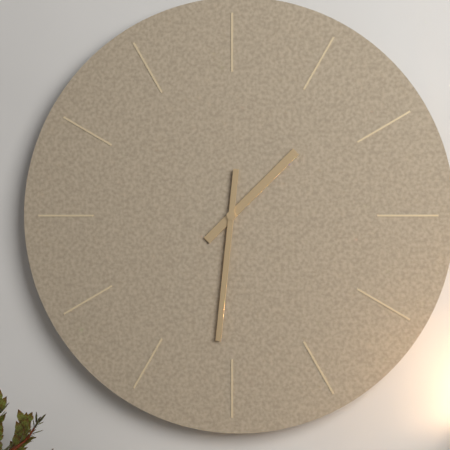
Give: 1:31
